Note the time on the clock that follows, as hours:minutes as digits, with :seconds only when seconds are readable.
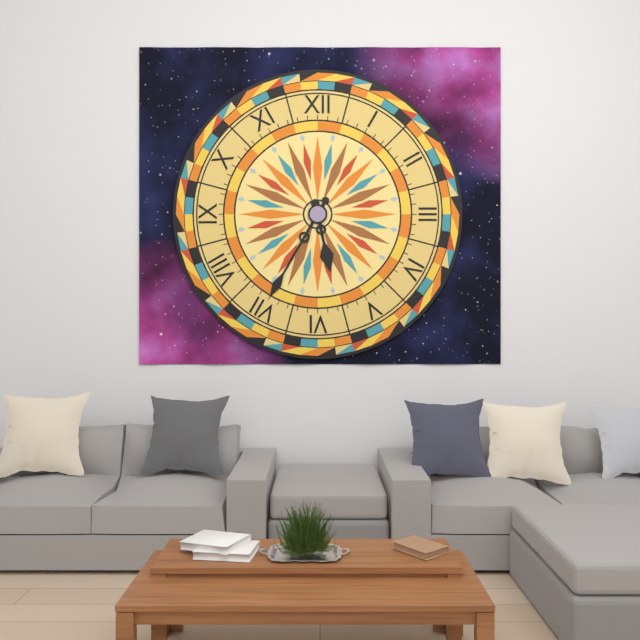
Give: 5:35
